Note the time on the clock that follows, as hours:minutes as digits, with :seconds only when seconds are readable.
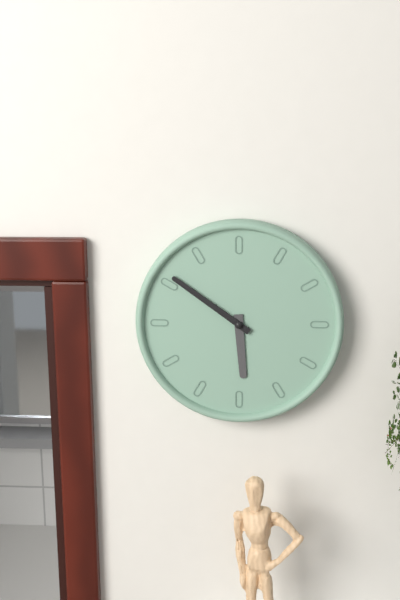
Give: 5:51
